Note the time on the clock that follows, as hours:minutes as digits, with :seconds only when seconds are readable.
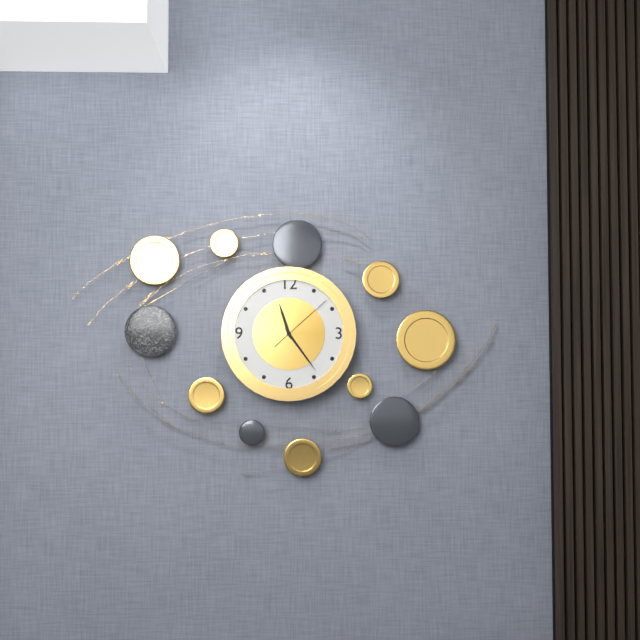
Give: 11:24:08
